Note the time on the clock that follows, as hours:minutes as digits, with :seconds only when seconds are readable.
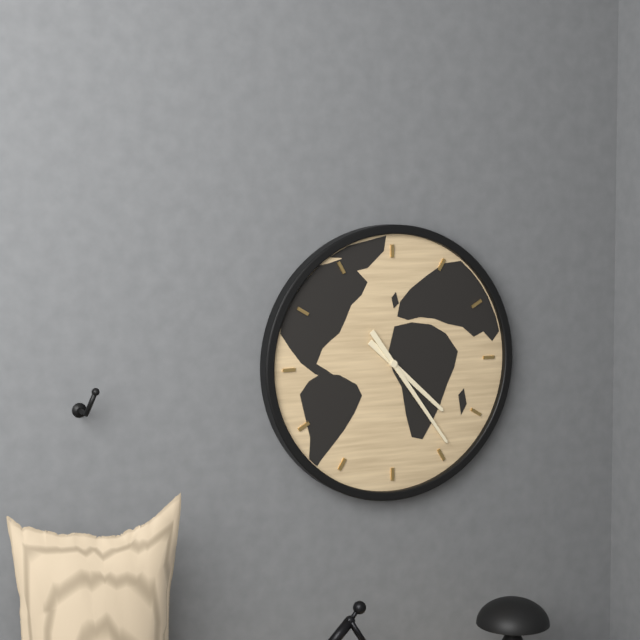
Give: 4:24
